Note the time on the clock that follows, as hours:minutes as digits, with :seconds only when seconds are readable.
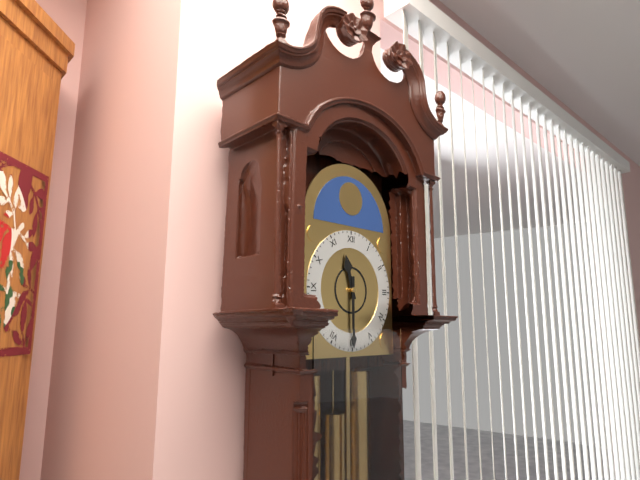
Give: 11:30
